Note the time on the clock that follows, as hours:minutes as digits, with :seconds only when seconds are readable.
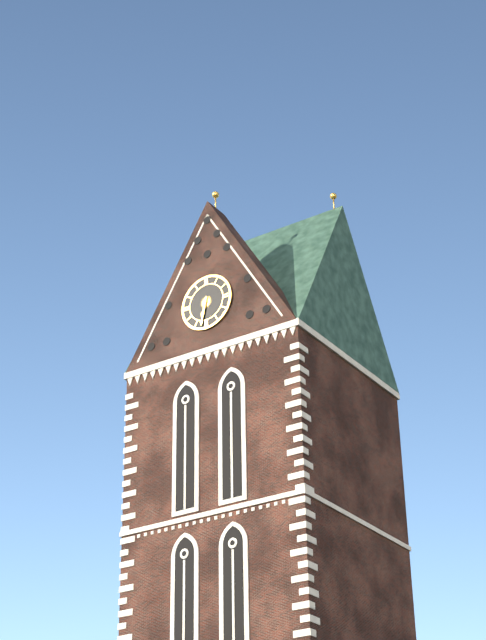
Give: 6:32
